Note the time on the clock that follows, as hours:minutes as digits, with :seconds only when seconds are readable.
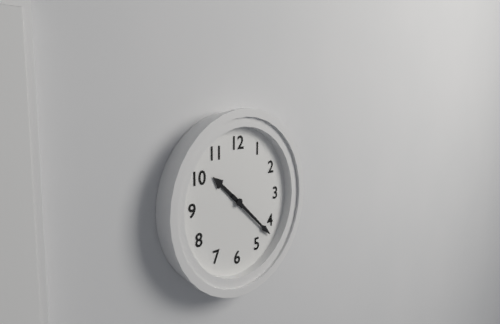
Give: 10:22
